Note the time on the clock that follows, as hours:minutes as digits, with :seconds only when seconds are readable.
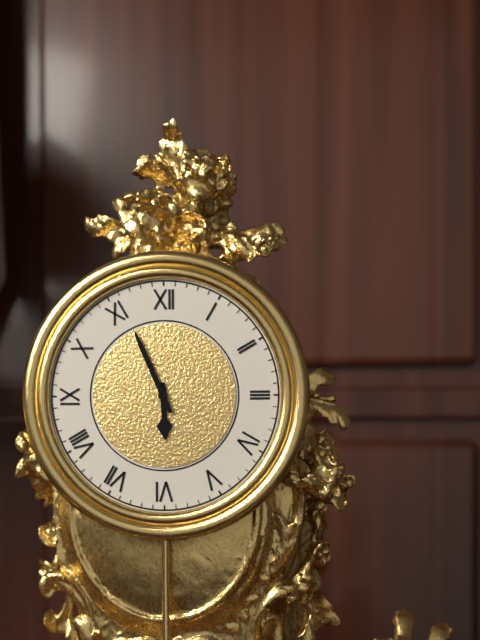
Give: 5:56
